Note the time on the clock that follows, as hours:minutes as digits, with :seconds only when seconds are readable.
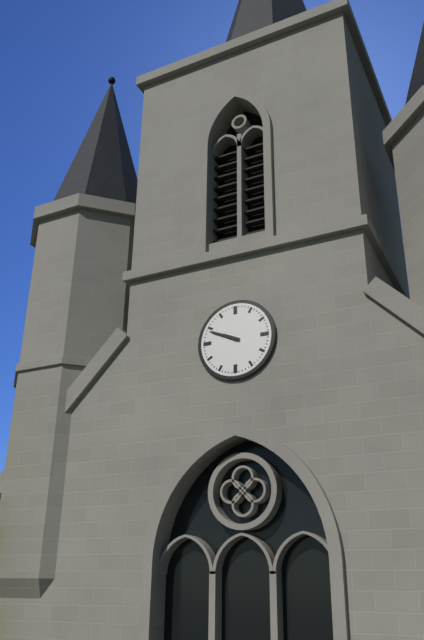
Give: 9:49
